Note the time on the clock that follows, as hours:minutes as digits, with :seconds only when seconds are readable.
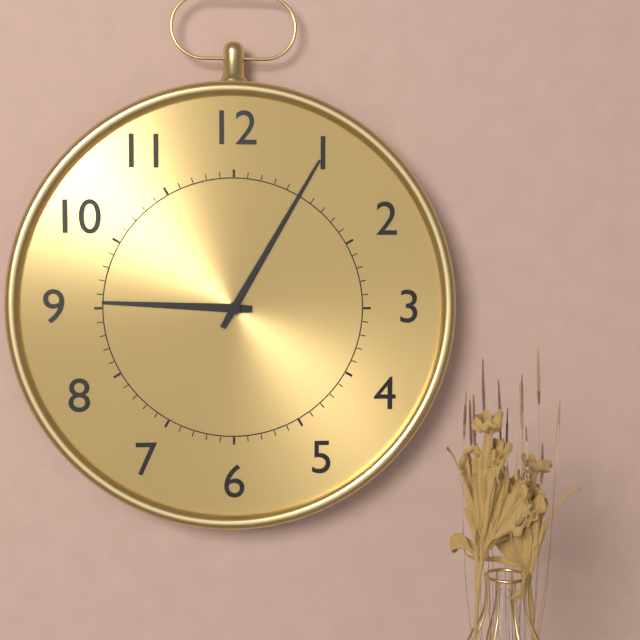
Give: 9:05
